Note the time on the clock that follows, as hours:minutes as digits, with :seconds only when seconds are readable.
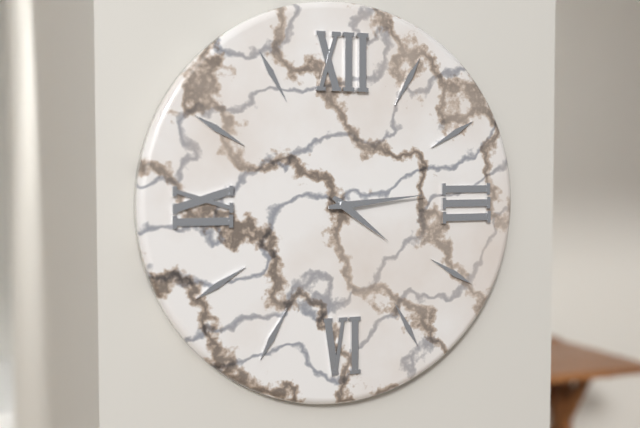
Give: 4:14
